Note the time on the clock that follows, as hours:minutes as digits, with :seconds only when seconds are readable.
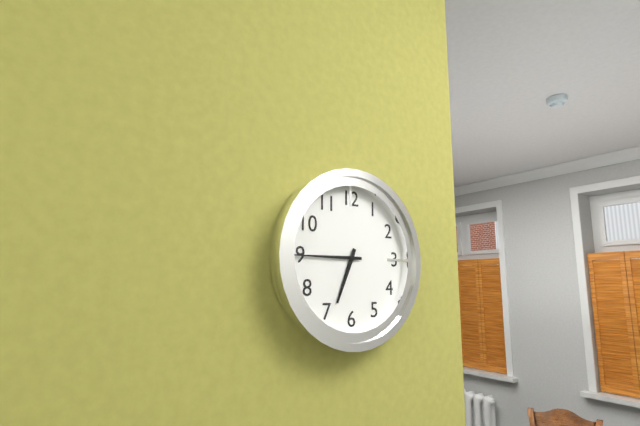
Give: 6:45
